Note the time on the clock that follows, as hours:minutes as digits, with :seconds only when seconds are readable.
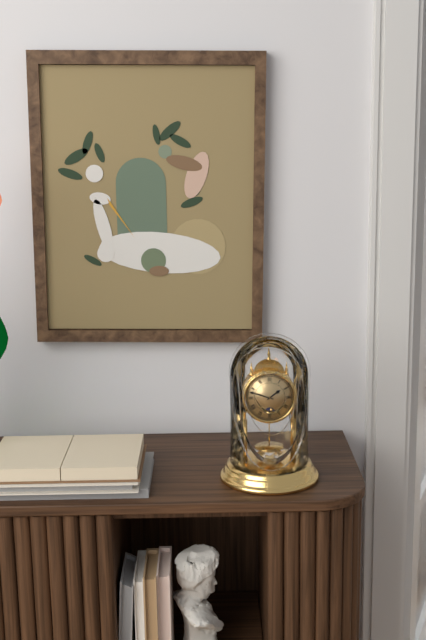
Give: 1:48
